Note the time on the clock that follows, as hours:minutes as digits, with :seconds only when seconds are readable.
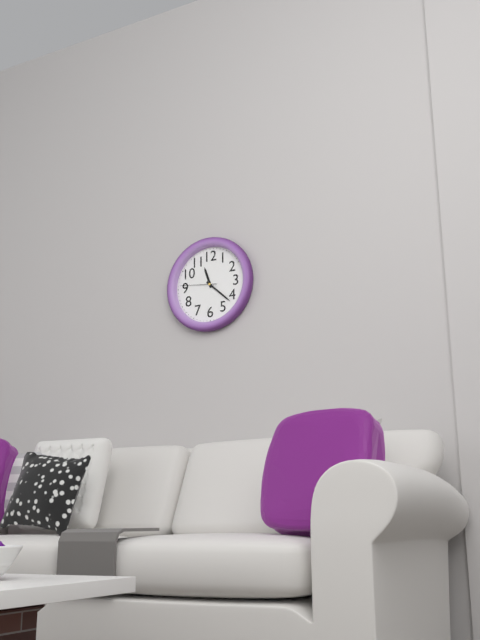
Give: 11:22
